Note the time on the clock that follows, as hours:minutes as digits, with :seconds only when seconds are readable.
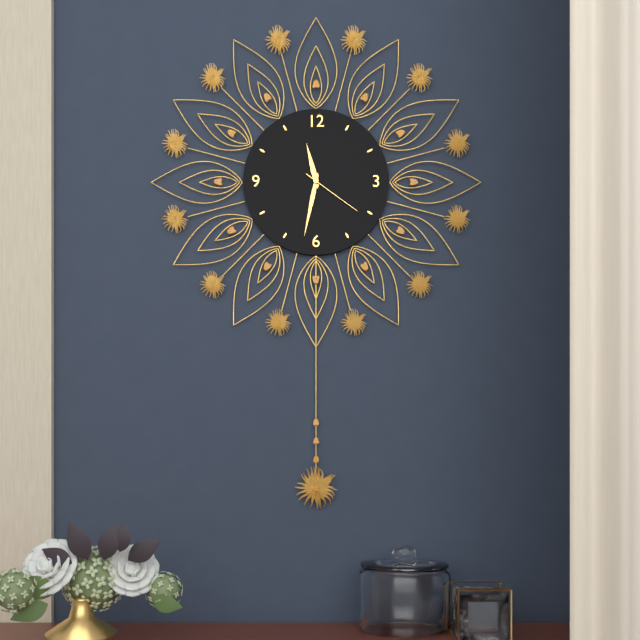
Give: 11:32:21
